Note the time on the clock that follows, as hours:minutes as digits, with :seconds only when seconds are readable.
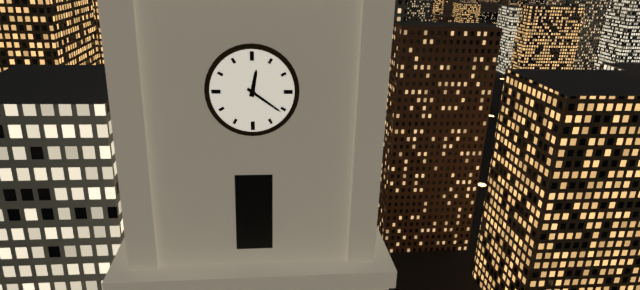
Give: 12:21
